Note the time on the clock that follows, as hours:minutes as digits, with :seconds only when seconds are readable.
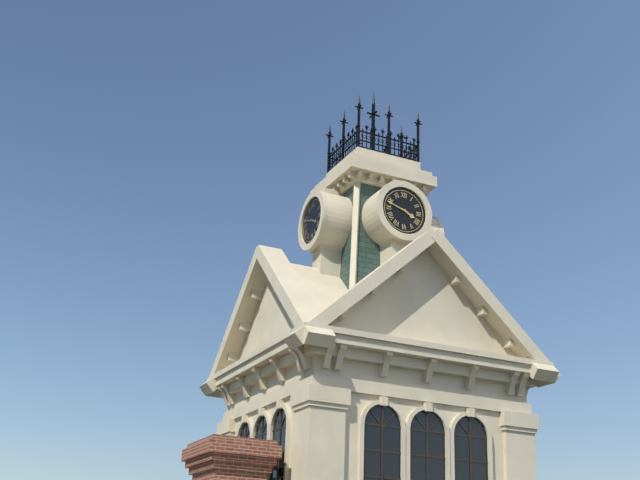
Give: 3:48
